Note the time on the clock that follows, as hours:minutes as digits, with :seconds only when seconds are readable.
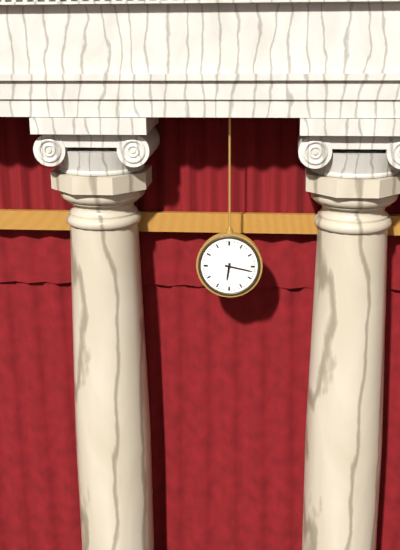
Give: 6:17
